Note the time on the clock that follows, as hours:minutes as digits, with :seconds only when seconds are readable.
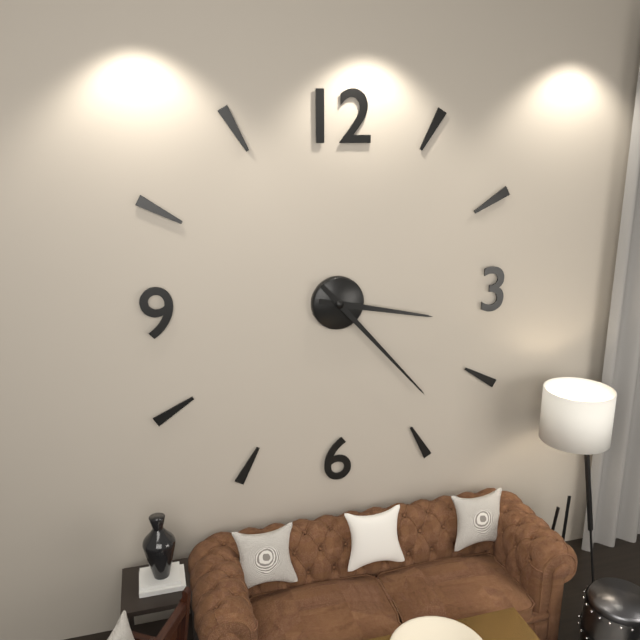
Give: 3:23
